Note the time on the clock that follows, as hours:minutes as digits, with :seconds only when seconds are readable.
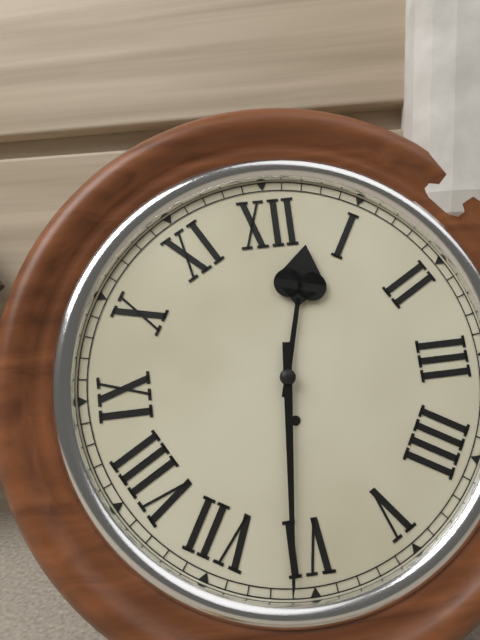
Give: 12:31
